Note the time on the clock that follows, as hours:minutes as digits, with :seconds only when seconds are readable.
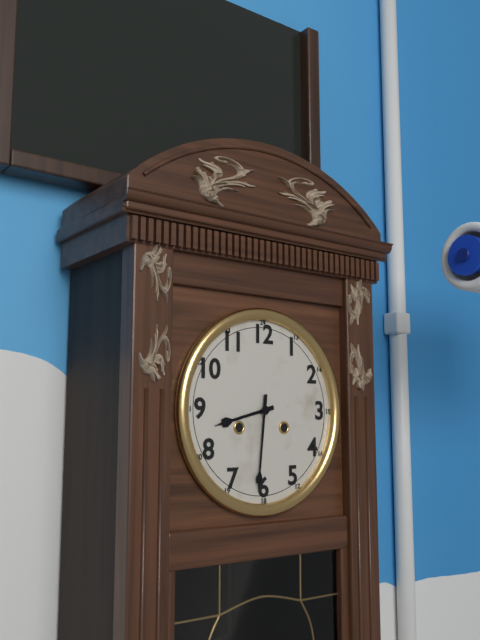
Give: 8:31
